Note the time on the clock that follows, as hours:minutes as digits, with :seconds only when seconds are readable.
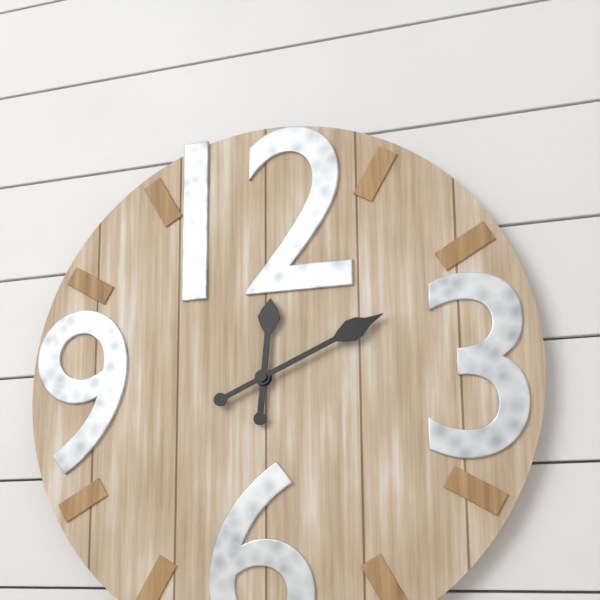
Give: 12:11
